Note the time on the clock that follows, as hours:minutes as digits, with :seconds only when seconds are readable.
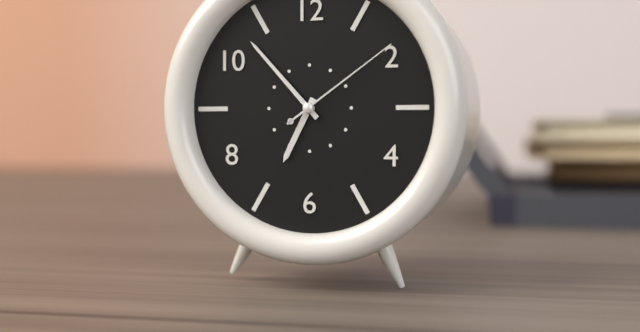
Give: 6:53:09
